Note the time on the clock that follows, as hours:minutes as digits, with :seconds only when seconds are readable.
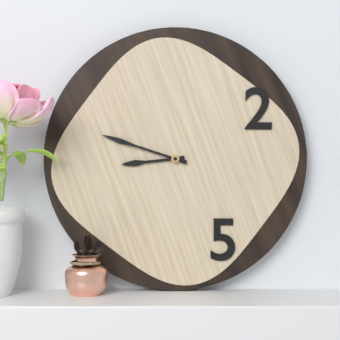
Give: 8:48
